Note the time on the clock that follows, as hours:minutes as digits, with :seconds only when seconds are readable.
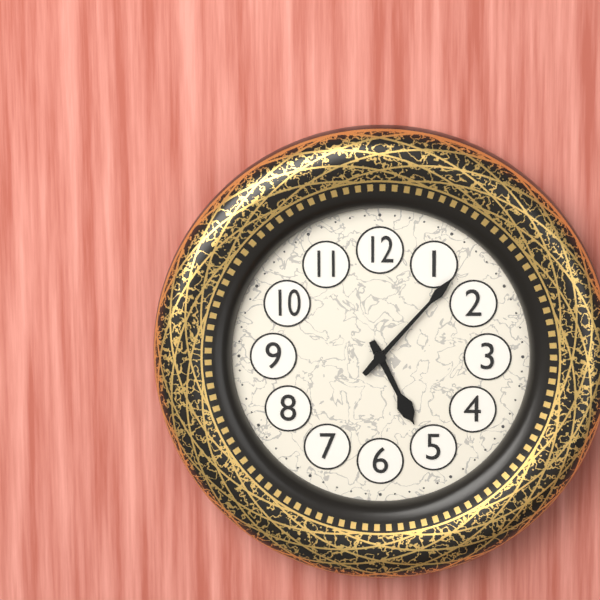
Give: 5:07
